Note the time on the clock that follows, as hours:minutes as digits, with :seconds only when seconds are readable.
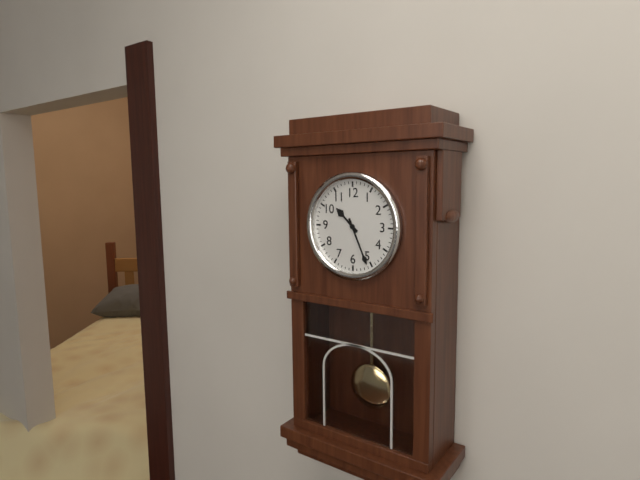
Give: 10:26
